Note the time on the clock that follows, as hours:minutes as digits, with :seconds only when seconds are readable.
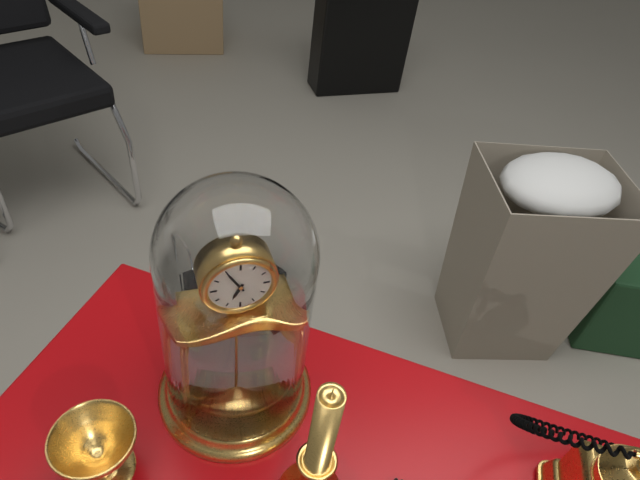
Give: 6:55
